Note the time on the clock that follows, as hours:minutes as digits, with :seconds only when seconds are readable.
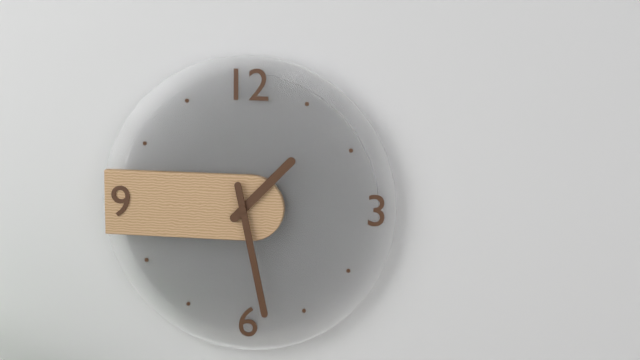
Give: 1:28
